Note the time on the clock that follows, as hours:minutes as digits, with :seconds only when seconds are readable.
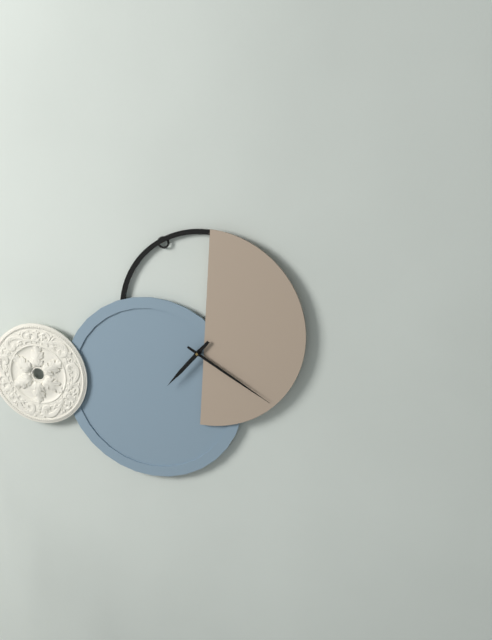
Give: 7:20
